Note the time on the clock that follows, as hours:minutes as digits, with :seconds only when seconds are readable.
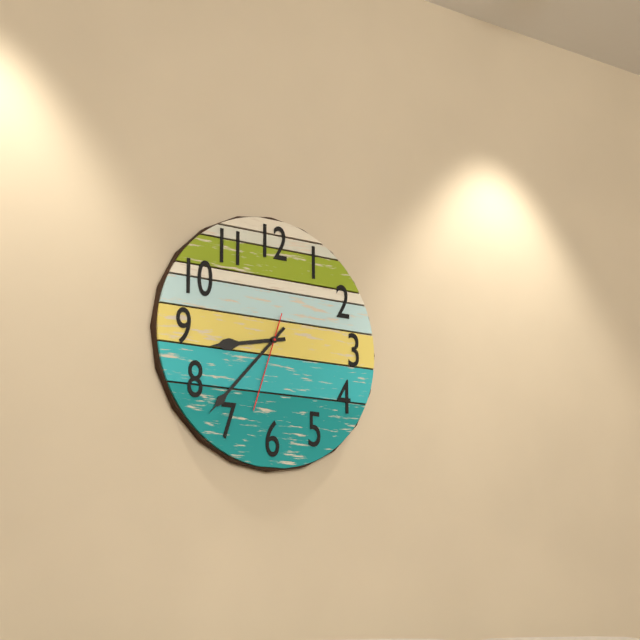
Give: 8:37:33
